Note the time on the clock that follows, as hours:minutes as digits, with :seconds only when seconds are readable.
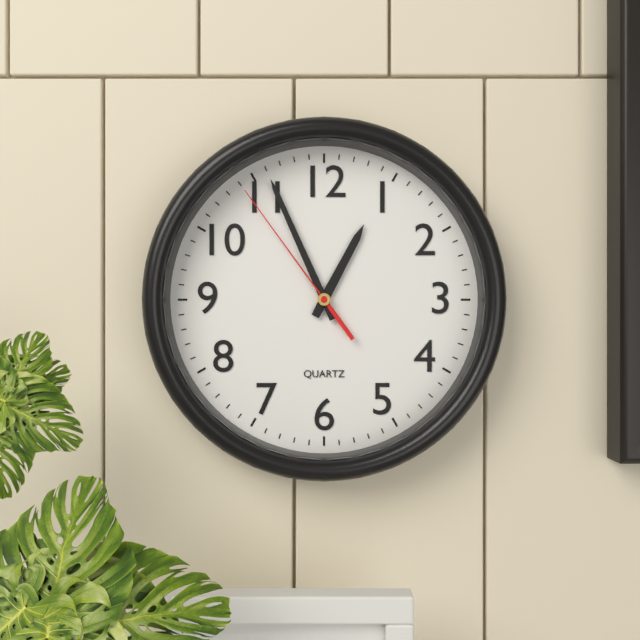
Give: 12:56:54
